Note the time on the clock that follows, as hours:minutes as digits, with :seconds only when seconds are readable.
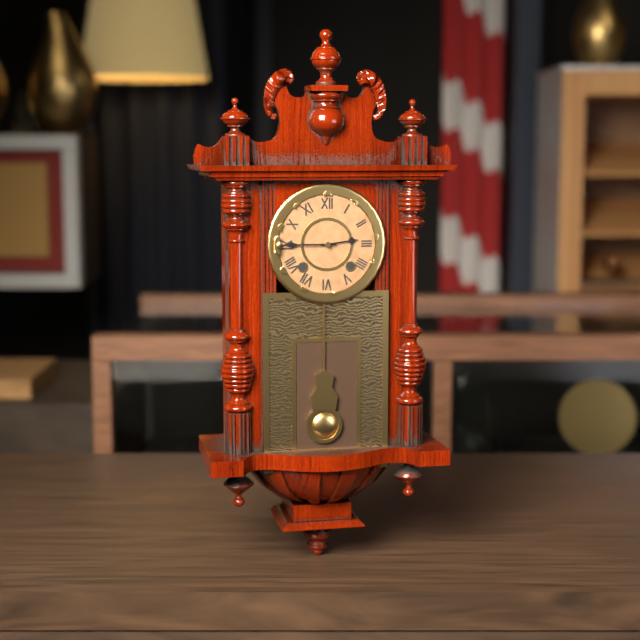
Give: 2:45
